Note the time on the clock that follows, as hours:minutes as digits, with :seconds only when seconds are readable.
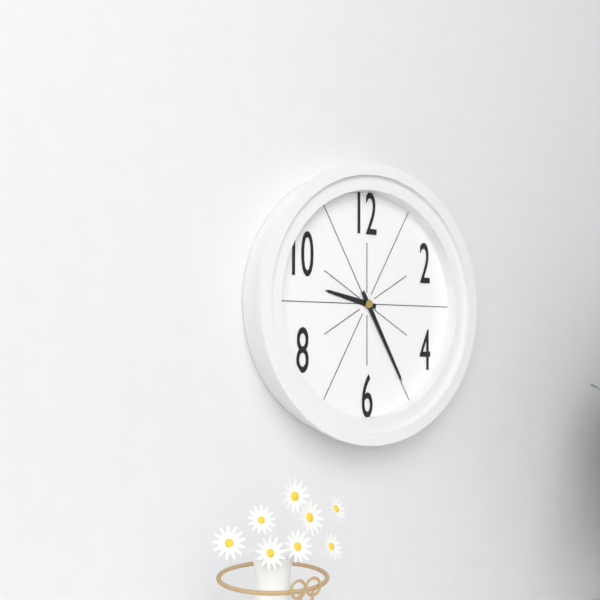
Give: 9:25
